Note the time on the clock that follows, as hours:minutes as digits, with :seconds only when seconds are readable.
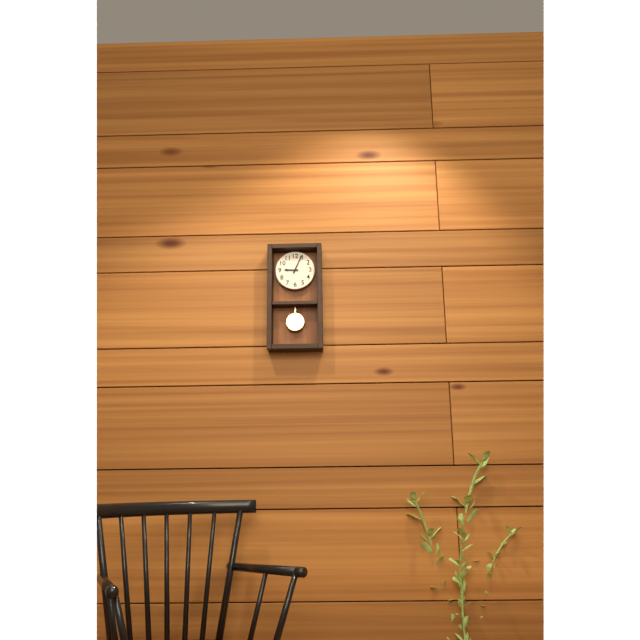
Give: 9:04
